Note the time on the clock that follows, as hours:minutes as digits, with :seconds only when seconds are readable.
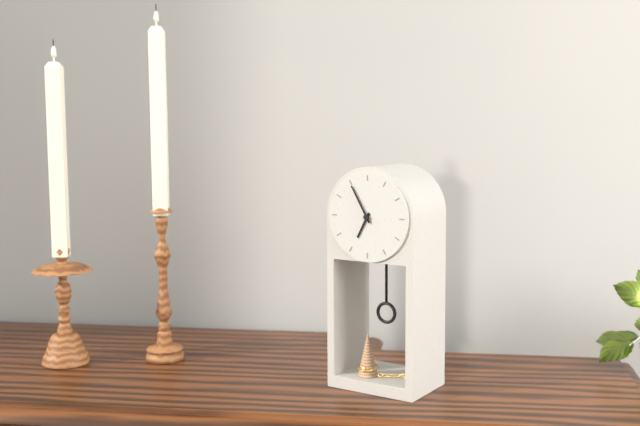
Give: 6:55
